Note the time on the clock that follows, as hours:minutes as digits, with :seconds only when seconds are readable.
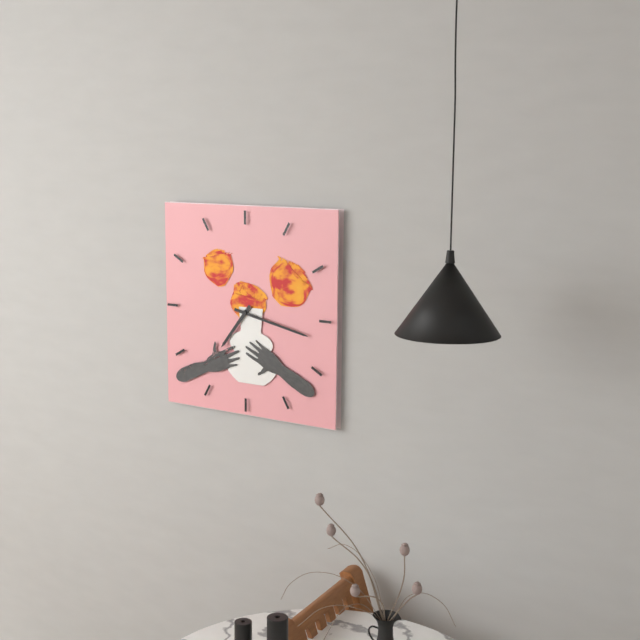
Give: 7:17
